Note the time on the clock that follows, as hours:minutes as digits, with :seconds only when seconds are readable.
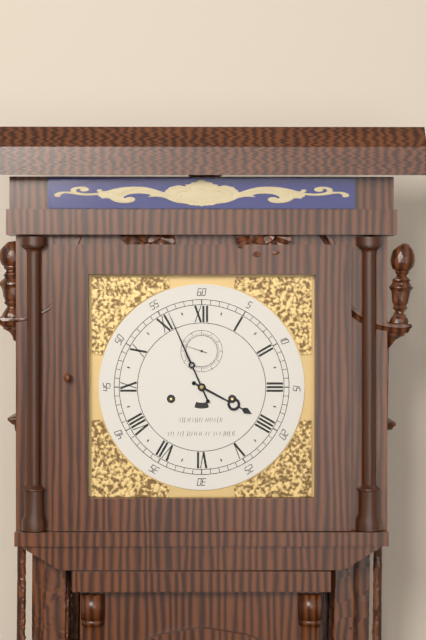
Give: 3:56
